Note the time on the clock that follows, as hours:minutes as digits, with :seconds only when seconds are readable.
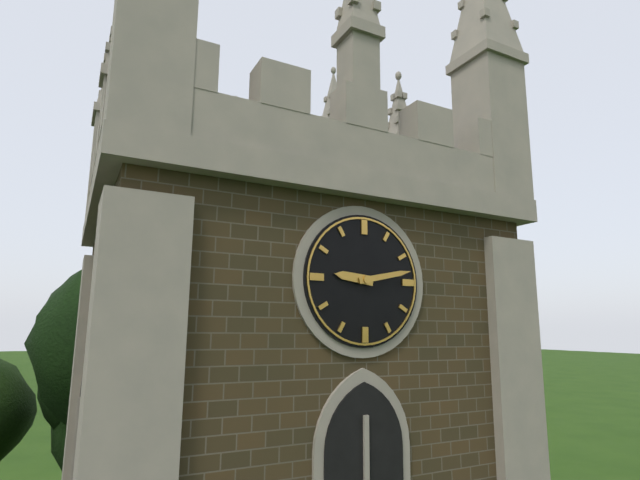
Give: 9:13
